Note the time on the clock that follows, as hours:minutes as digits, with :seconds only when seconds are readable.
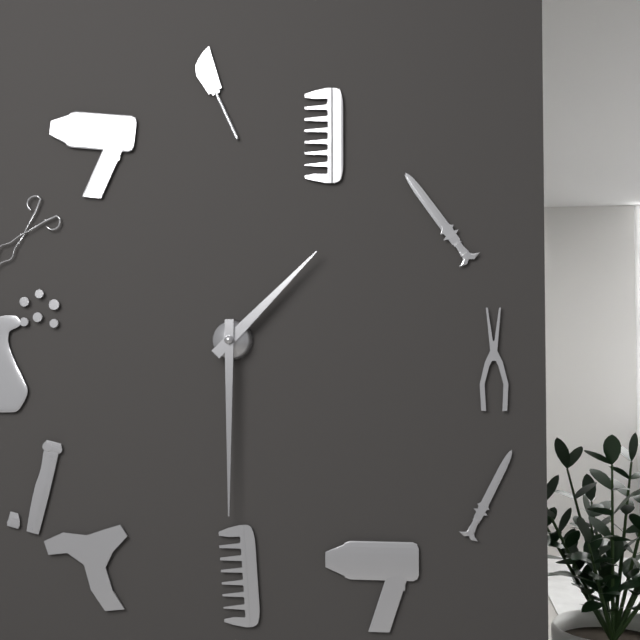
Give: 1:30
